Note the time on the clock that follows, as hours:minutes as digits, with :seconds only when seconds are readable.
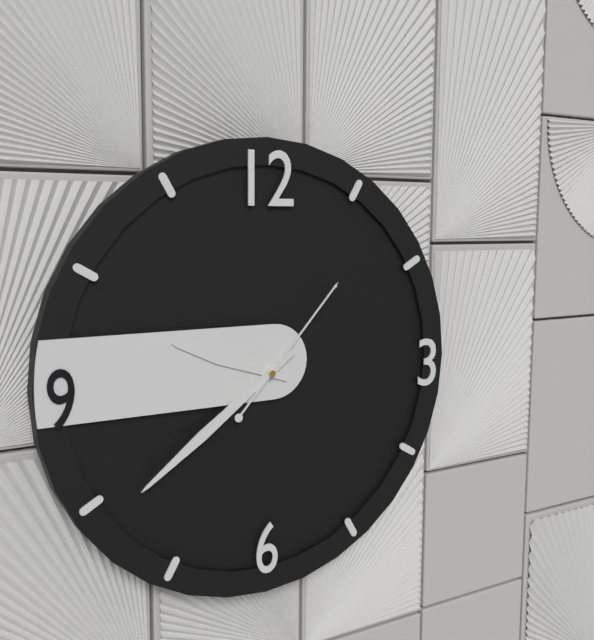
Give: 9:39:07
